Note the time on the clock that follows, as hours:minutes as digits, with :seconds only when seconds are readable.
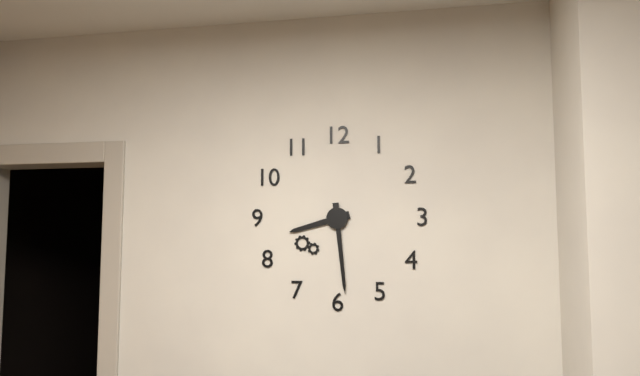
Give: 8:29
